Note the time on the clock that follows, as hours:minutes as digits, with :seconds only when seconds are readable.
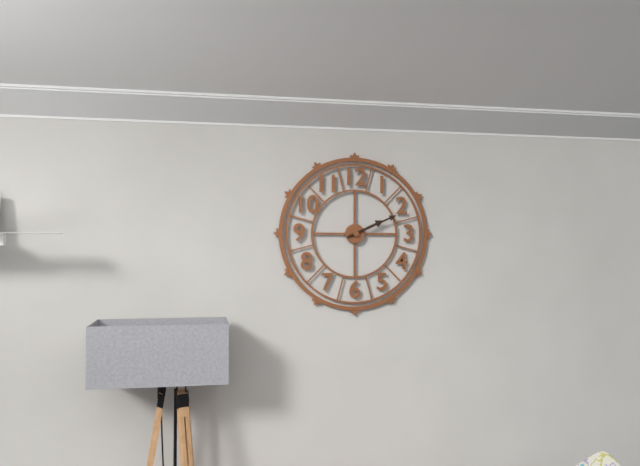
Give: 2:11
